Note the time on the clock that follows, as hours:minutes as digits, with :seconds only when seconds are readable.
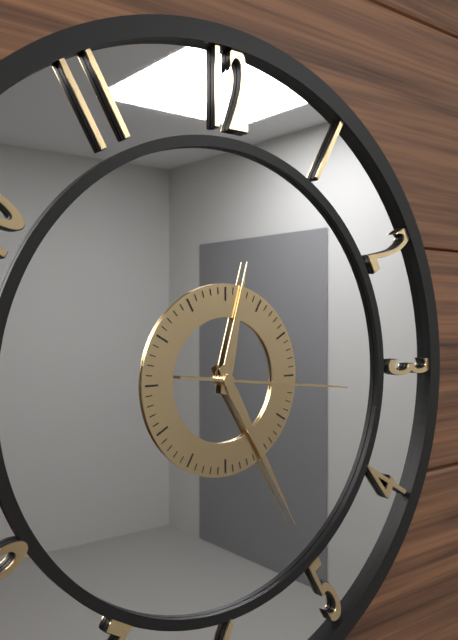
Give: 12:25:16
